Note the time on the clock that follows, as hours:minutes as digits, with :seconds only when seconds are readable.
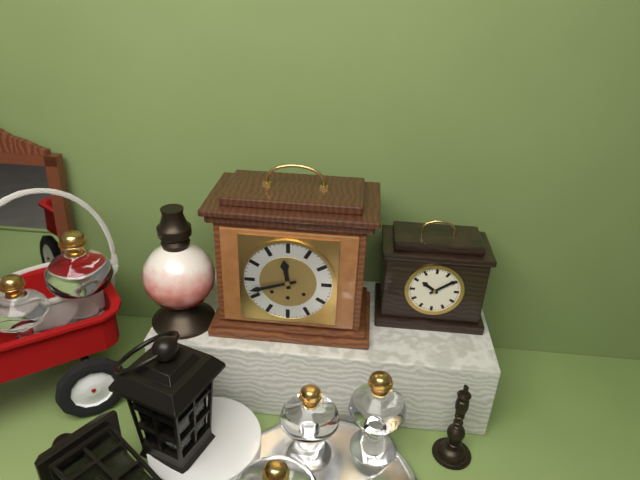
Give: 11:42
